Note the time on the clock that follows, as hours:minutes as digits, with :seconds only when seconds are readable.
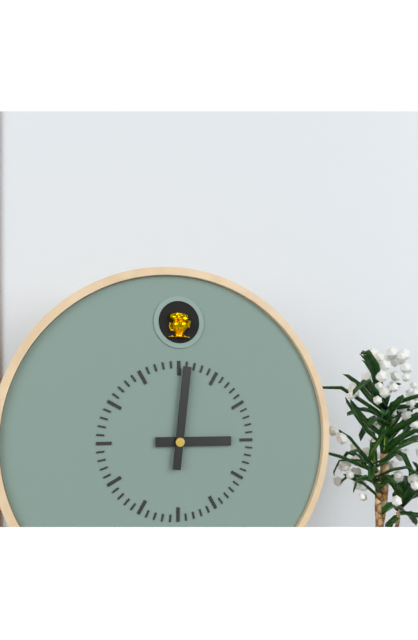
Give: 3:01
